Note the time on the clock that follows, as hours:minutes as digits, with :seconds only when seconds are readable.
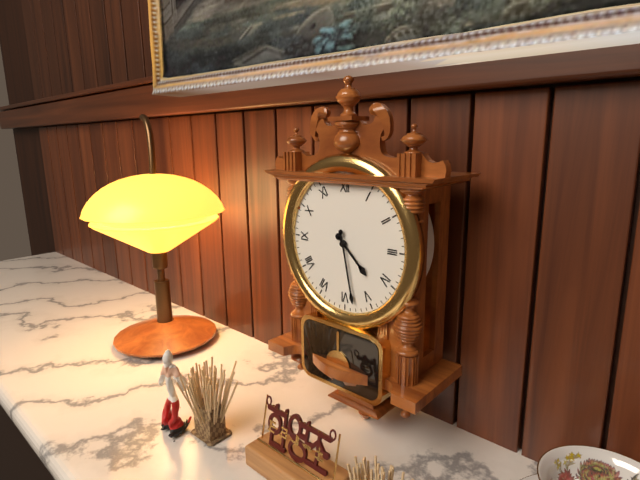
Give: 4:28
